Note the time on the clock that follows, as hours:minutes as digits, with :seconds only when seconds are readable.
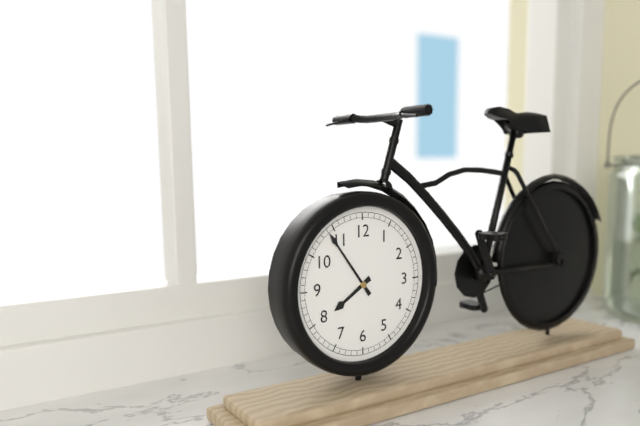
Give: 7:54
